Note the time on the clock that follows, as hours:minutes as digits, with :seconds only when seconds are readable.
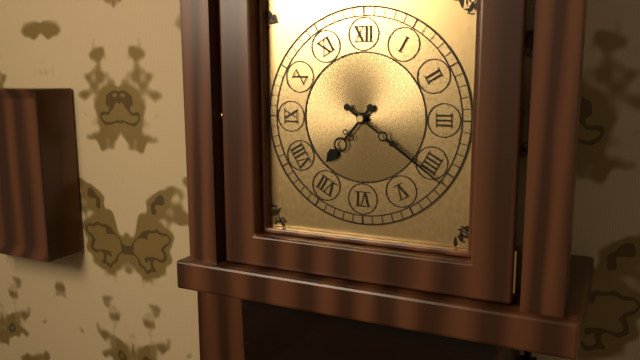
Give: 7:21
